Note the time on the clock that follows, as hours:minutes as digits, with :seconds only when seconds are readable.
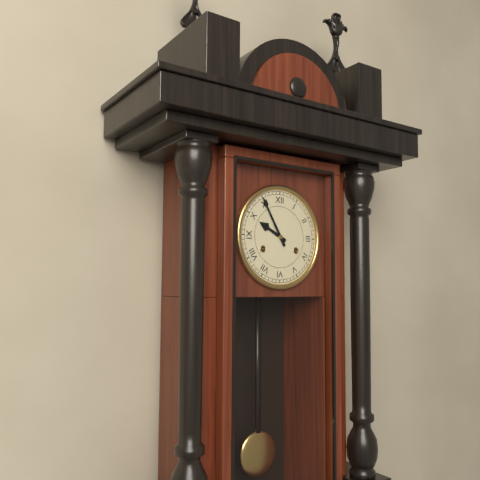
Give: 9:55
